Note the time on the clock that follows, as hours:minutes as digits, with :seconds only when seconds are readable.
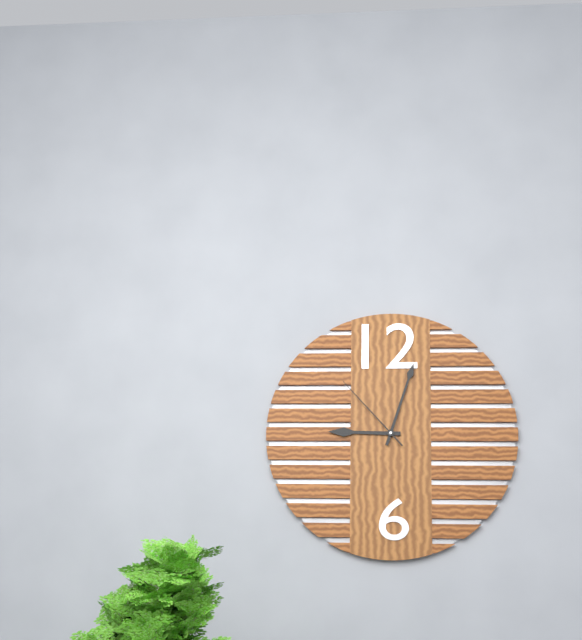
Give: 9:03:53
